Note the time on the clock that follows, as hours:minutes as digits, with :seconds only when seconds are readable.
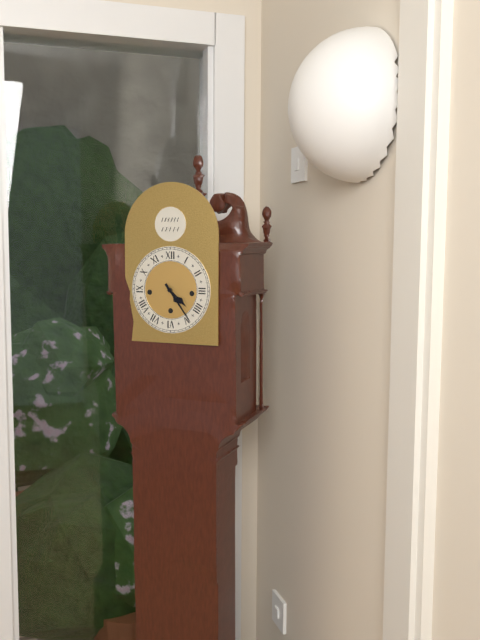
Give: 4:24
